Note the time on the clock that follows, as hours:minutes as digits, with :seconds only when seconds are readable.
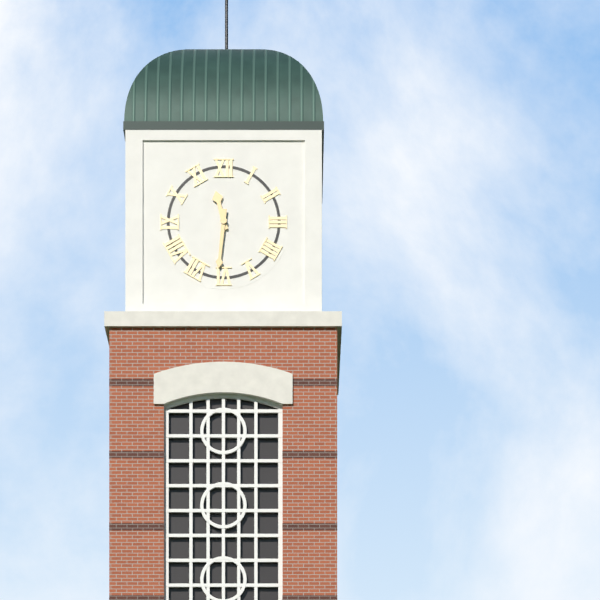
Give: 11:31
